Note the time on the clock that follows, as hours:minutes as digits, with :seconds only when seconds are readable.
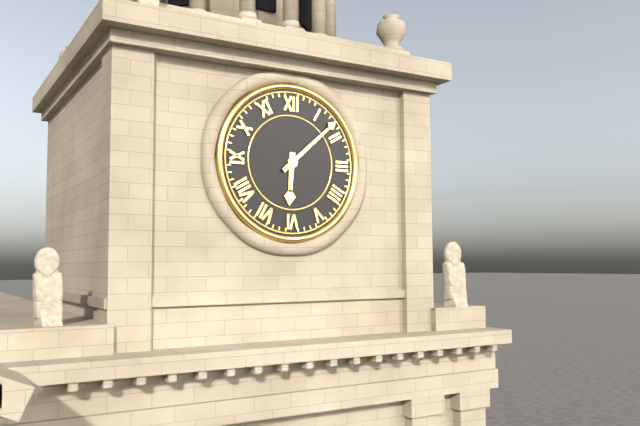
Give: 6:08
